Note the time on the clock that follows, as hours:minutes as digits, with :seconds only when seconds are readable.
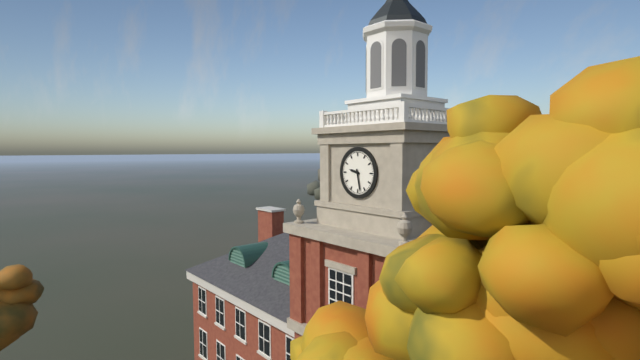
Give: 9:28
